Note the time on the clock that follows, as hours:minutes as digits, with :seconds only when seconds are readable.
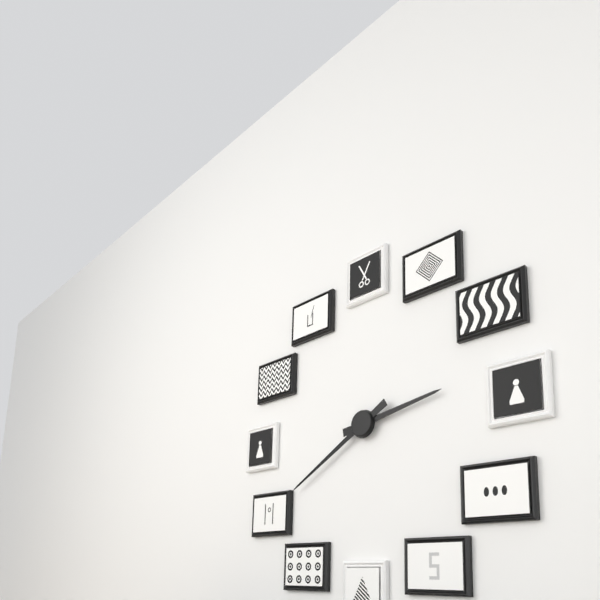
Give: 2:40
